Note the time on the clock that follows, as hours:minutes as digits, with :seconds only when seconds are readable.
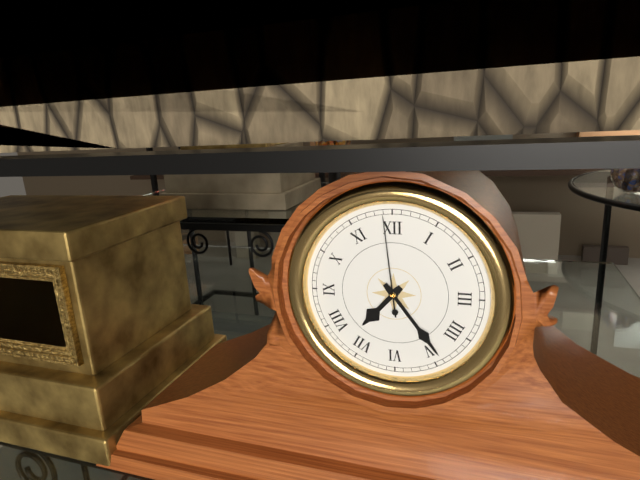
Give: 7:24:59
